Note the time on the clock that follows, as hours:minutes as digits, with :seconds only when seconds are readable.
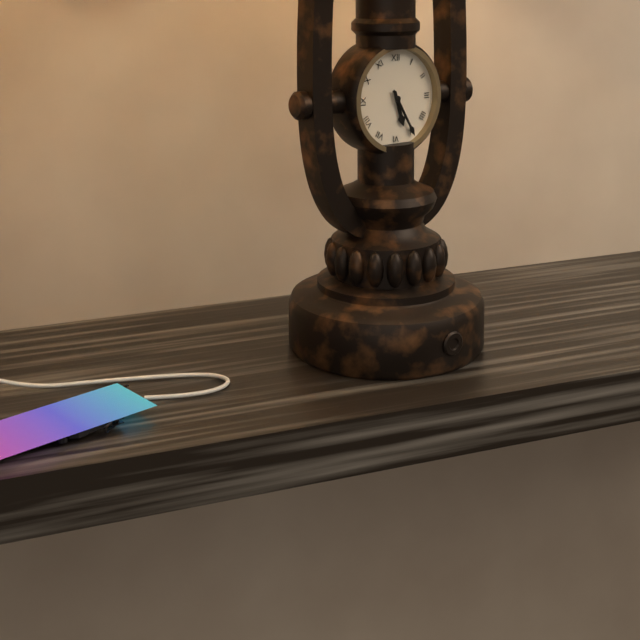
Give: 5:25
